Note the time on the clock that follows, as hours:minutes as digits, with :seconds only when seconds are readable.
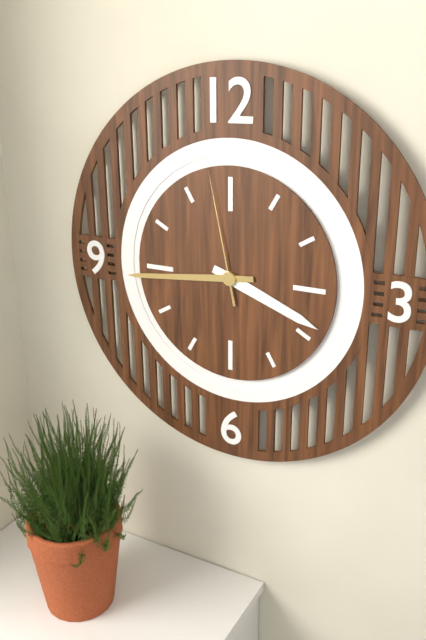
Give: 3:44:58
